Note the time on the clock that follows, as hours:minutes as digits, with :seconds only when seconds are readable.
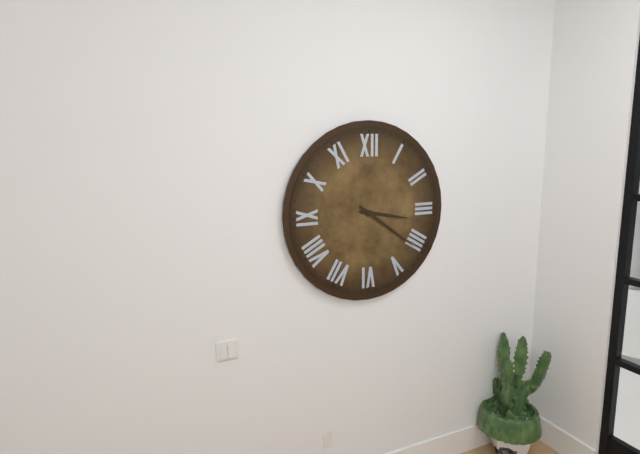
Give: 3:21
